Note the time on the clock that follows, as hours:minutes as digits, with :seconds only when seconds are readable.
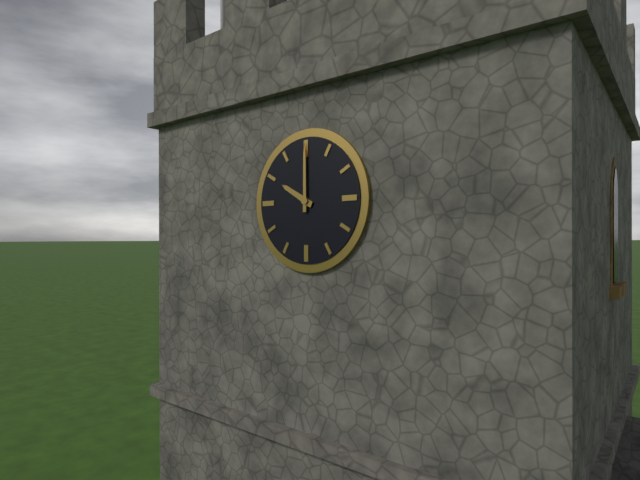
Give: 10:00
